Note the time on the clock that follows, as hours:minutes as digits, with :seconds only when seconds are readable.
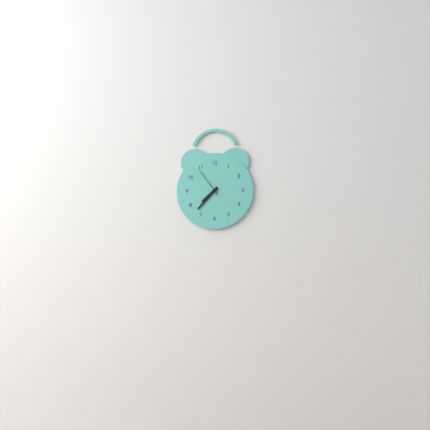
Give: 7:37
